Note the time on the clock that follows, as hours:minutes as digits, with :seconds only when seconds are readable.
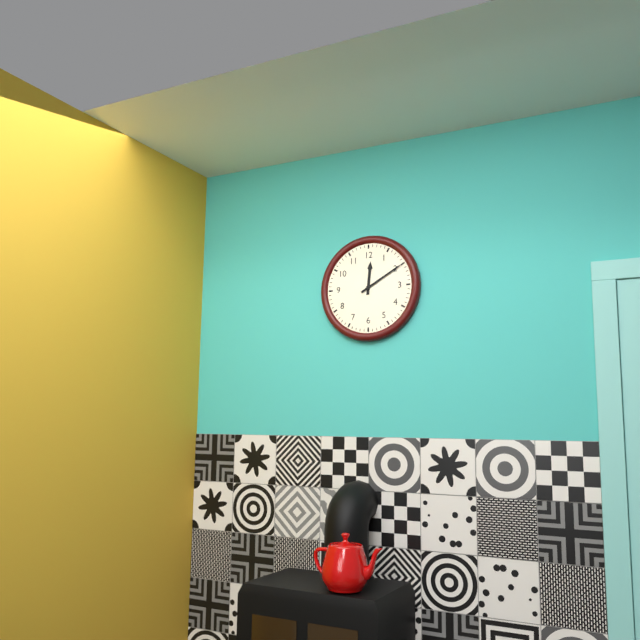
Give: 12:10
